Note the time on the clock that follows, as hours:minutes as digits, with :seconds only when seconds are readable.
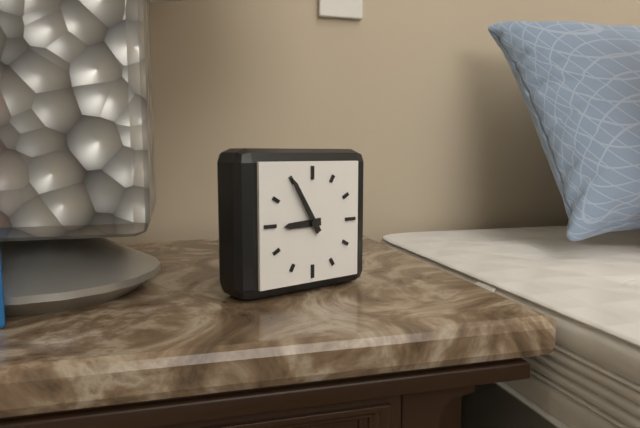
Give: 8:55
